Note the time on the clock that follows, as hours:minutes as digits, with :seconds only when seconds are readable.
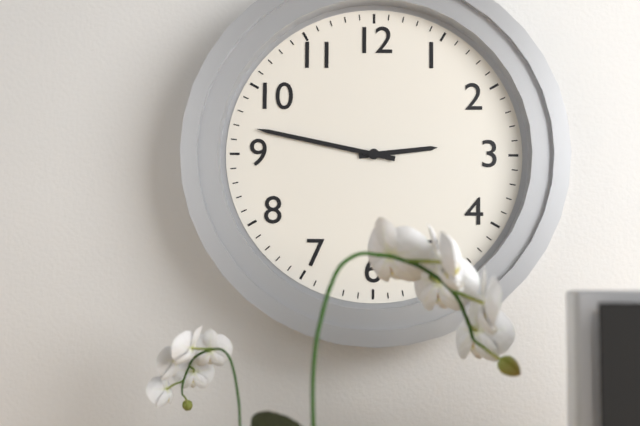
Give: 2:47
